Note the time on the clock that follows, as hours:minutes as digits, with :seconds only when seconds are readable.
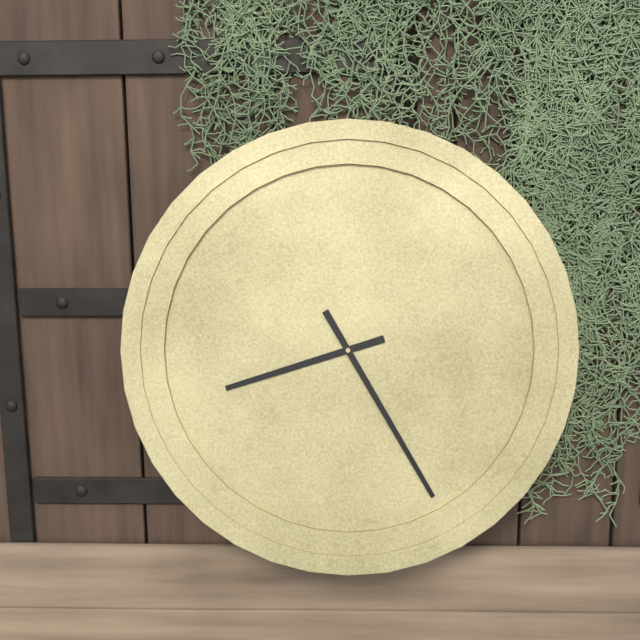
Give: 8:25
